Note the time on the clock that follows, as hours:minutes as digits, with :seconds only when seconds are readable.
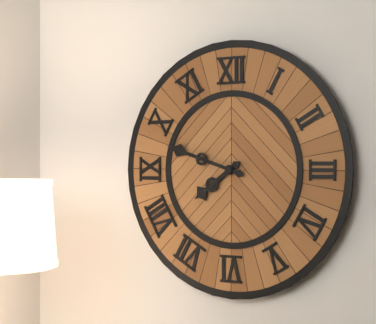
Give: 7:48
